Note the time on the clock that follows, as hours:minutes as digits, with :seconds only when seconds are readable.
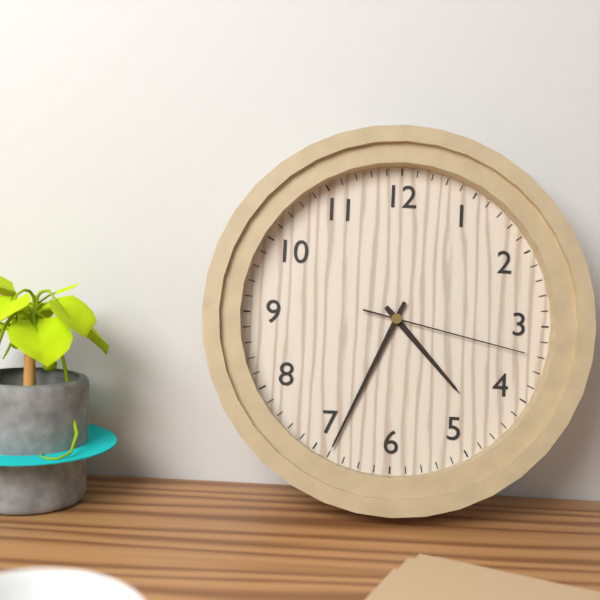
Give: 4:34:17
